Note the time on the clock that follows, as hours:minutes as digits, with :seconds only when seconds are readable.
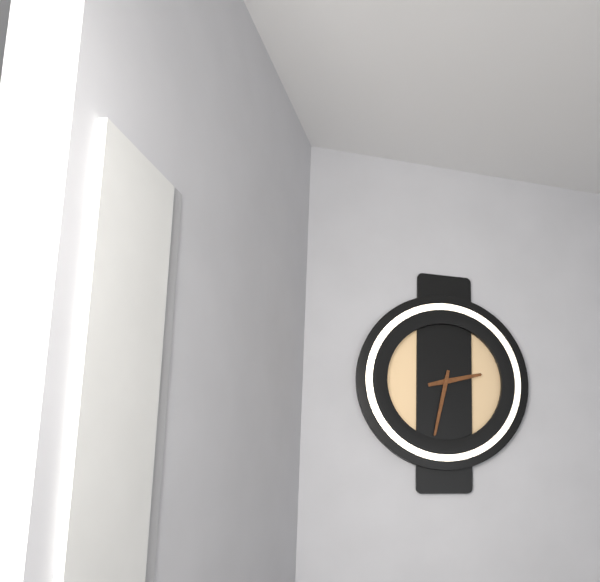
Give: 2:32
